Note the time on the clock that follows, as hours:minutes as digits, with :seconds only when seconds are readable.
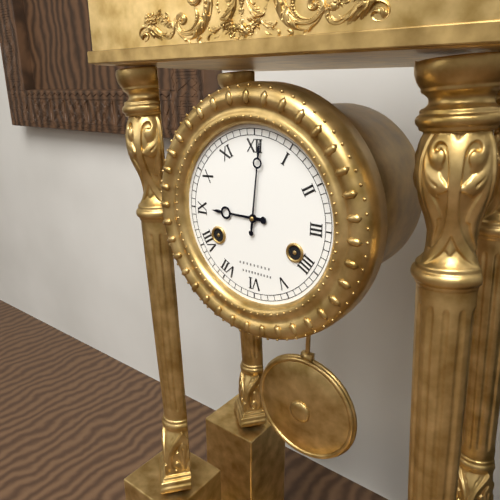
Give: 9:01
